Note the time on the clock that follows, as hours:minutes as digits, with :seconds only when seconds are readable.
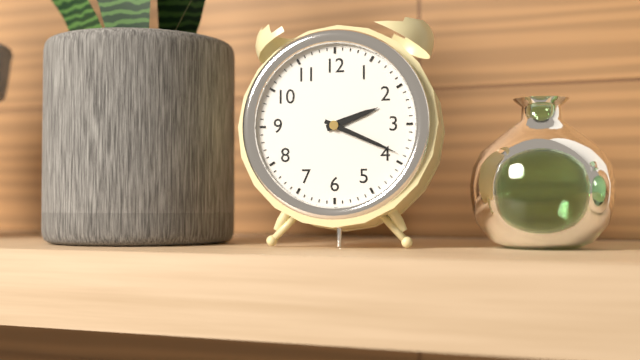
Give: 2:19
